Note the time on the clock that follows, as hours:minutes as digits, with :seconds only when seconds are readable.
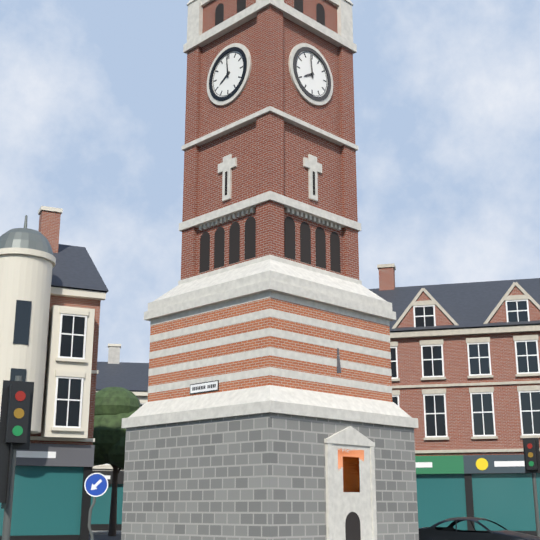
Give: 7:59
